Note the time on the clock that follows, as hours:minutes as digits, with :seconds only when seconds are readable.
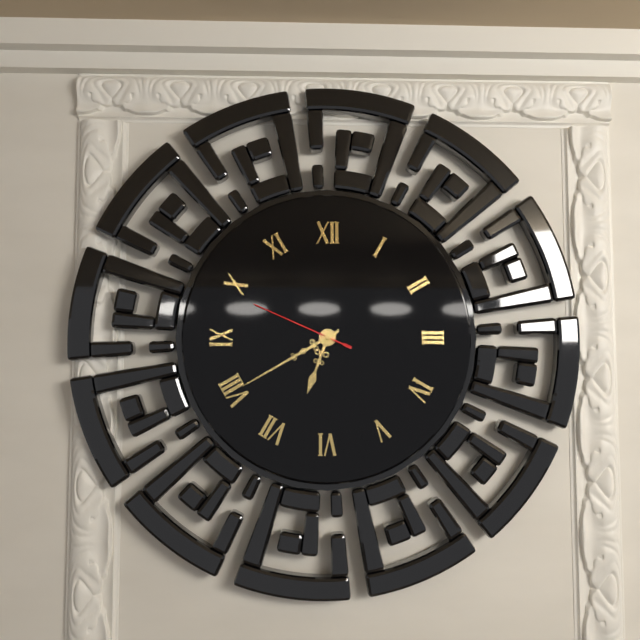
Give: 6:40:49
